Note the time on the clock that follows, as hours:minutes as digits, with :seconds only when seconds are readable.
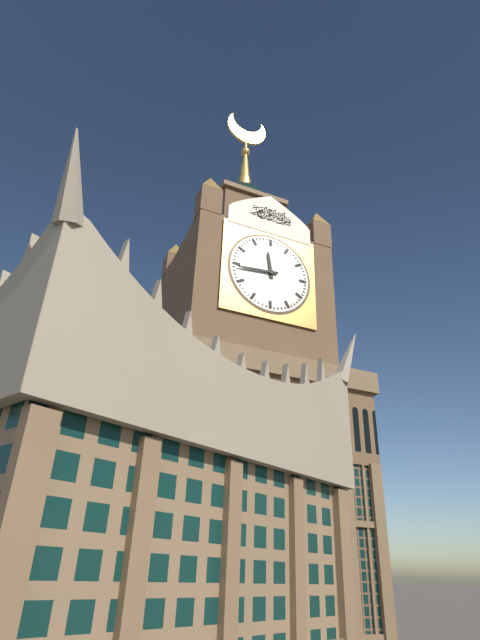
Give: 11:44
